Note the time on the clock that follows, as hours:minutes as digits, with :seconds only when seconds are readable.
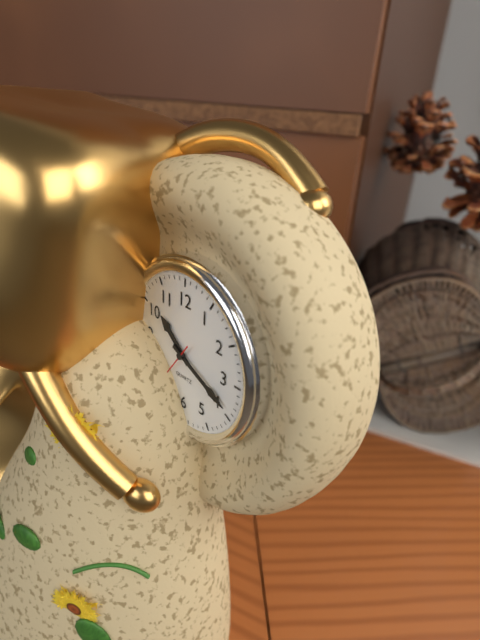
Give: 10:19
